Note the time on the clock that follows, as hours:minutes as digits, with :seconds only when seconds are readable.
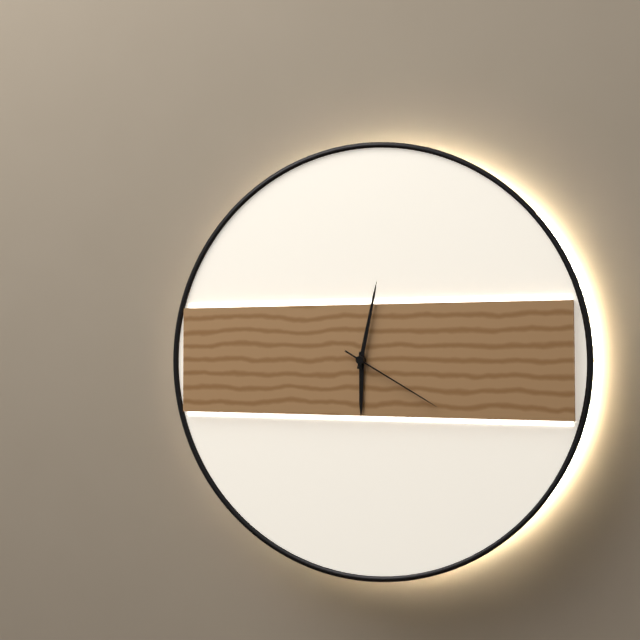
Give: 6:02:20
